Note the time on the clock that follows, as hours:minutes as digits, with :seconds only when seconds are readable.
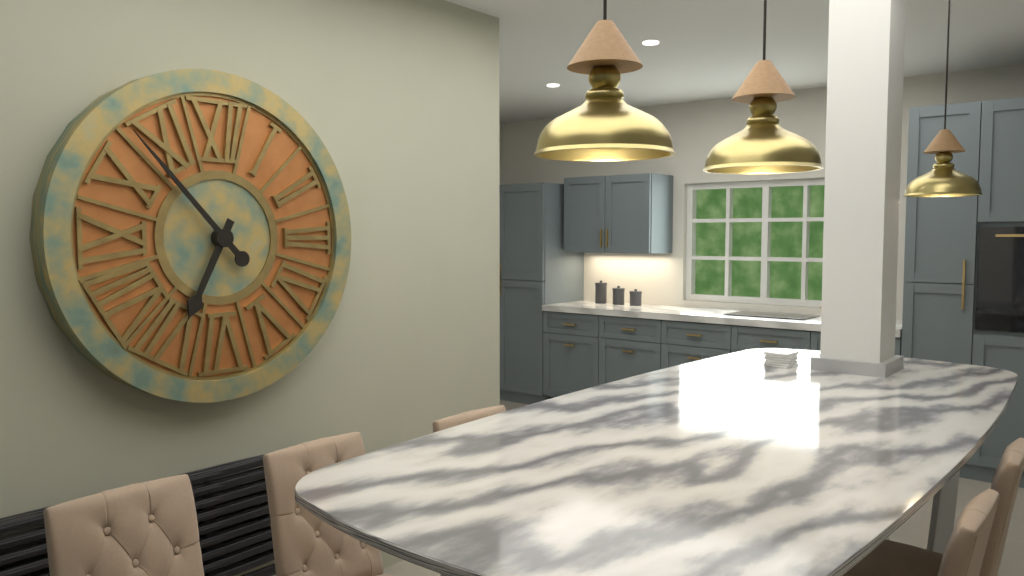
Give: 6:53
